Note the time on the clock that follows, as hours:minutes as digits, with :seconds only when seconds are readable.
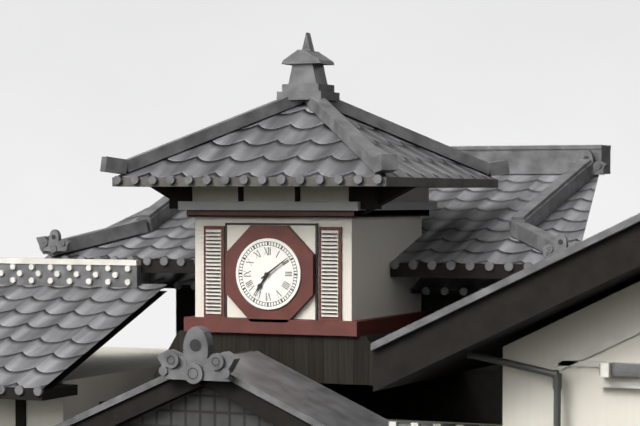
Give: 7:09
